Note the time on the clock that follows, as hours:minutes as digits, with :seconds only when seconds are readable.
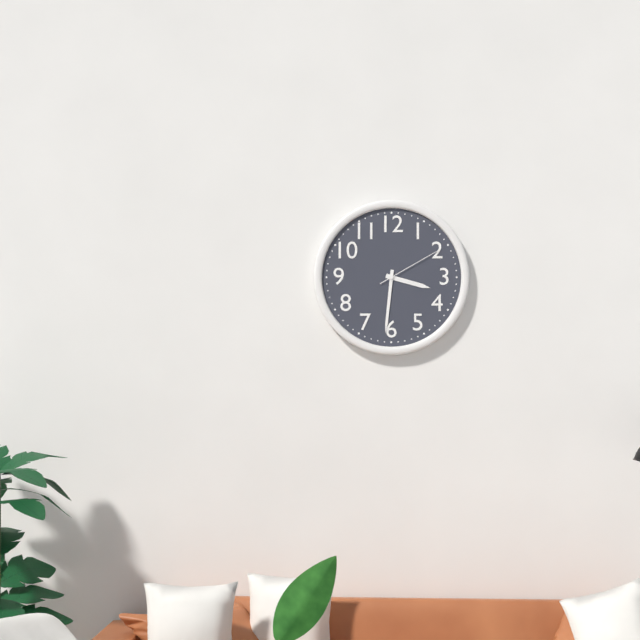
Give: 3:31:10
